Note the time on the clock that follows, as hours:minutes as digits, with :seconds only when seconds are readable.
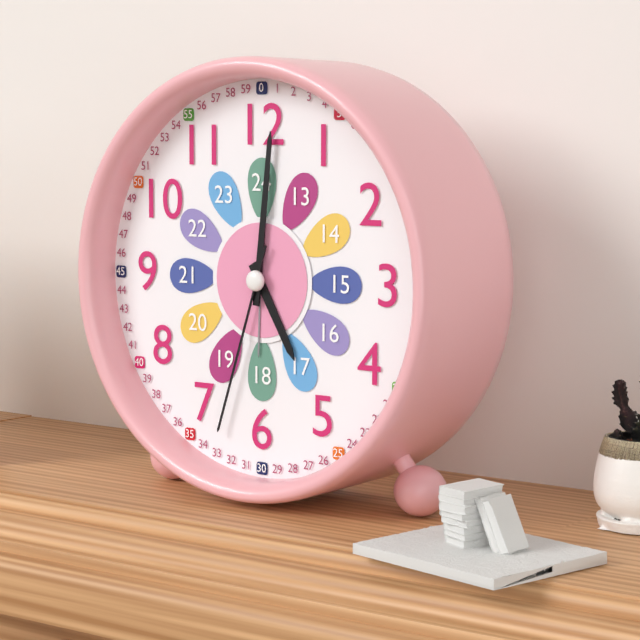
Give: 5:01:33
